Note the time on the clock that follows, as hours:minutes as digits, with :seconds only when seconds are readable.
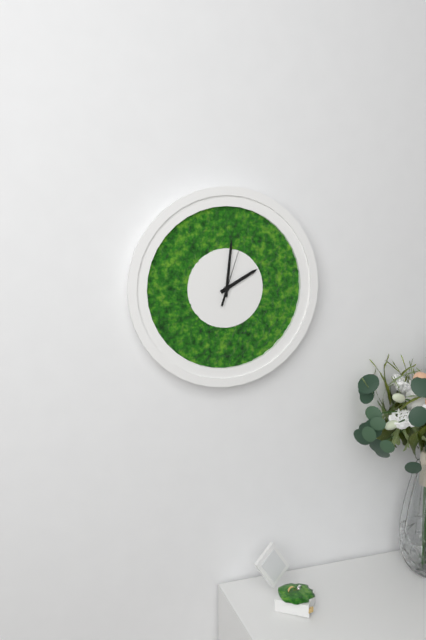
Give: 2:01
